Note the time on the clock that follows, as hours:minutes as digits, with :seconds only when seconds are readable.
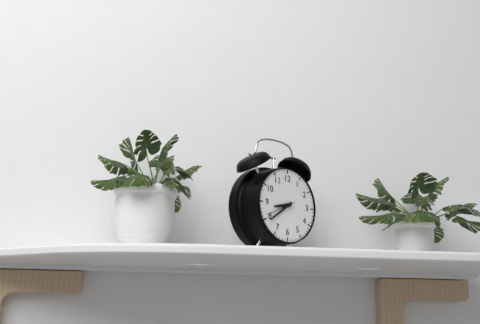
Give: 8:39
